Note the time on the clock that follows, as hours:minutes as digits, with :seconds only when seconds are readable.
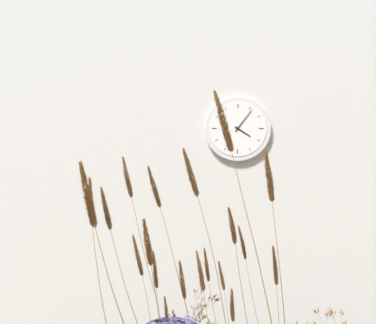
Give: 4:06
